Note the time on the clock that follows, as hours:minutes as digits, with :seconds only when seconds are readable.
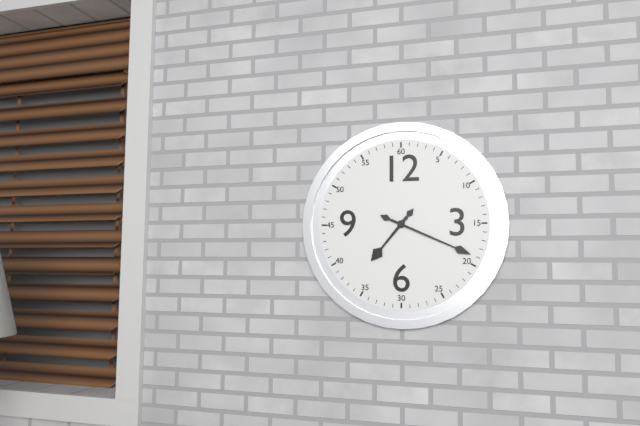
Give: 7:19
